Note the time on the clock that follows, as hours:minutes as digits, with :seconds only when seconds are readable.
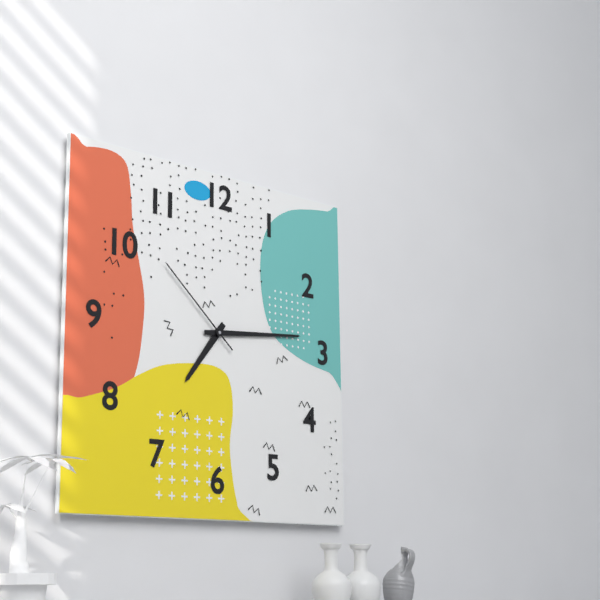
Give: 7:14:52
